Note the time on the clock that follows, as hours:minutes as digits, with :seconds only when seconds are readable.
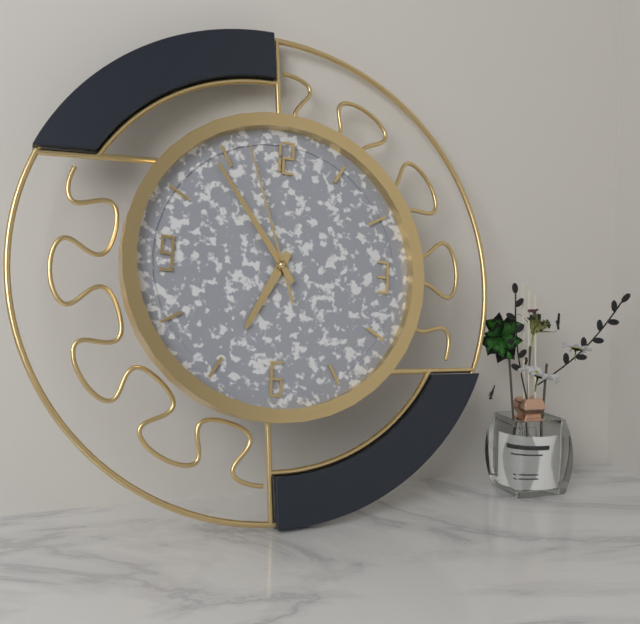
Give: 6:54:57
